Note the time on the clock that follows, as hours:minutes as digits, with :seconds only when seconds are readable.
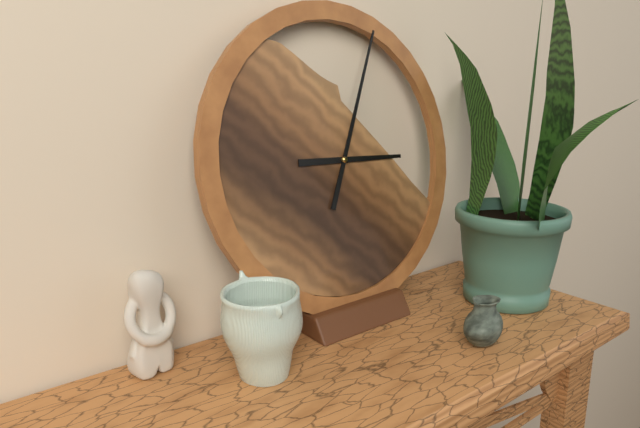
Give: 3:04
